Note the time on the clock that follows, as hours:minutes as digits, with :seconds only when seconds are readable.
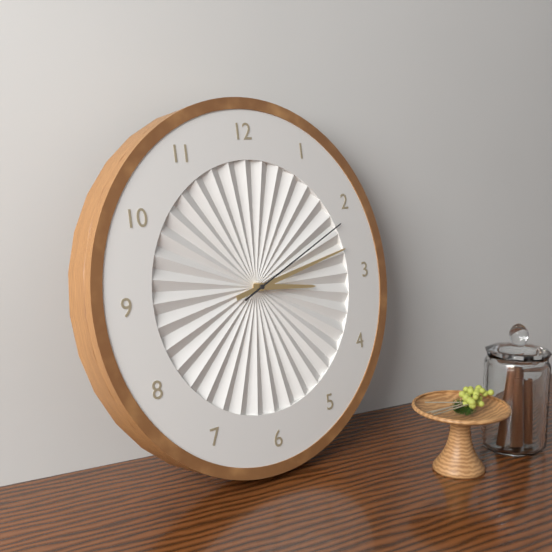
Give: 3:13:11
